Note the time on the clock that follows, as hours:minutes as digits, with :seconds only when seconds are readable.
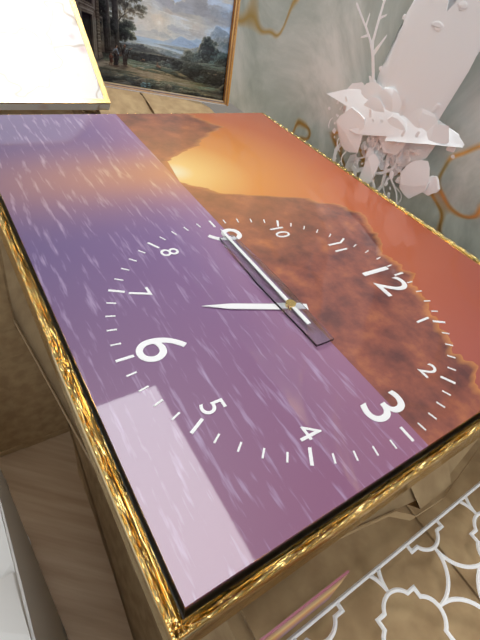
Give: 6:45
